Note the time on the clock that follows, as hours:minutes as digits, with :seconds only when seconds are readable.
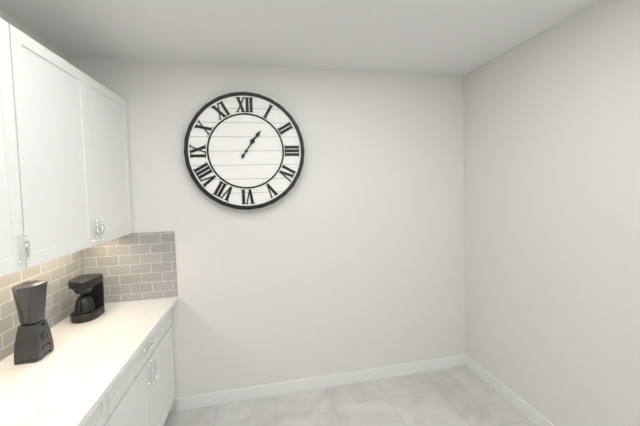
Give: 1:06
